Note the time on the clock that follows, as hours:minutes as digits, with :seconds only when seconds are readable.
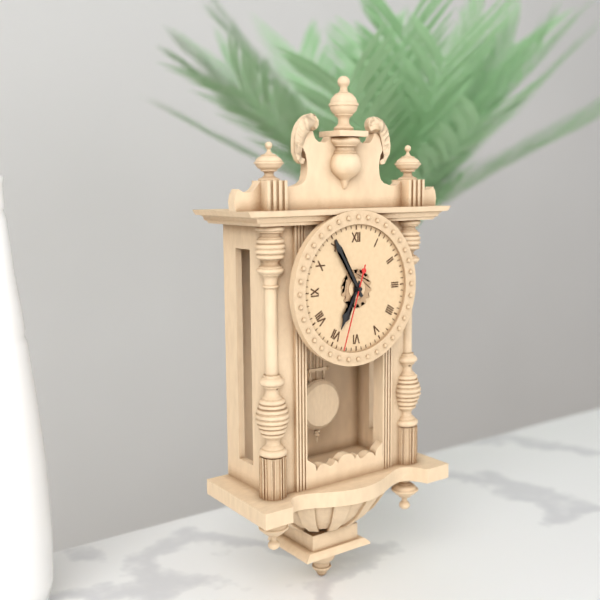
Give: 6:55:33
